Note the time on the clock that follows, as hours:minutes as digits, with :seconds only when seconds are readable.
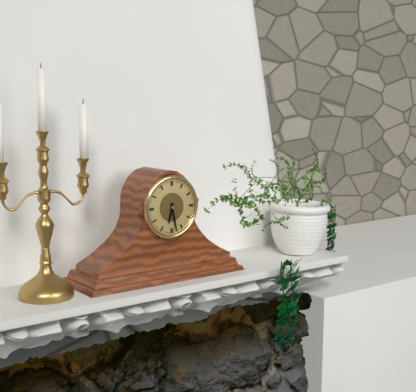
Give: 6:28
